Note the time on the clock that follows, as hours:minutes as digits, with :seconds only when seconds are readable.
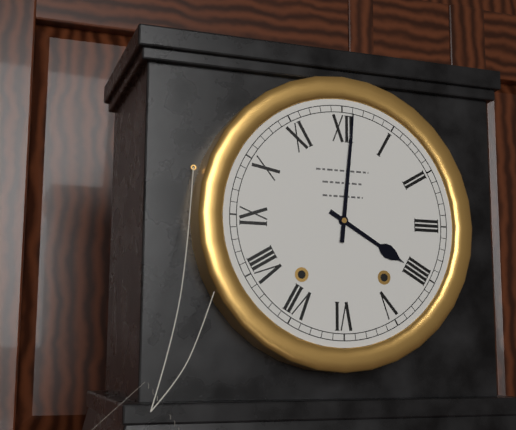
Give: 4:01
